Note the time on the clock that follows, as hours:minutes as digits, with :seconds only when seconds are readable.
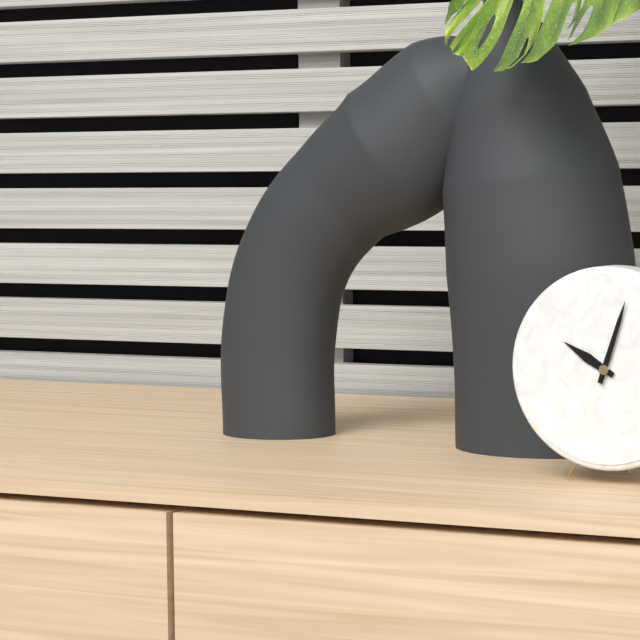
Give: 10:03
